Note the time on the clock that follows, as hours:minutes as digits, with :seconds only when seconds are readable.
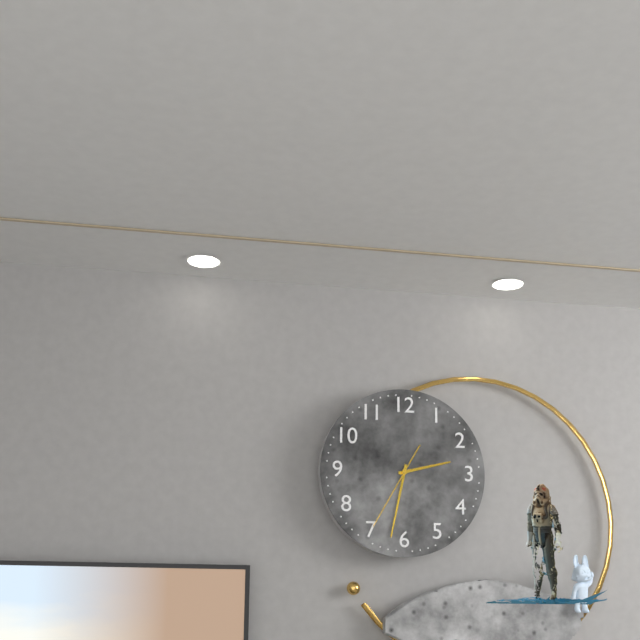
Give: 2:32:35
